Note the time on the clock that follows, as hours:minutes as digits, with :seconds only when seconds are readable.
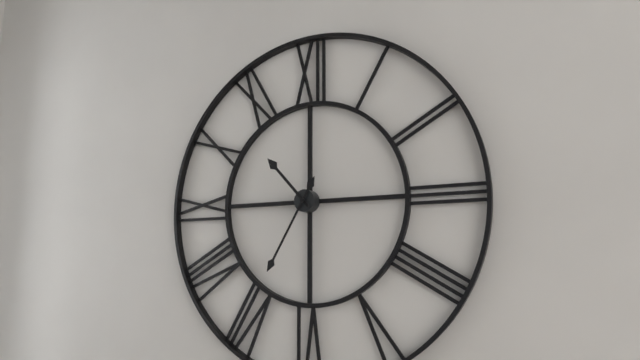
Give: 10:35
